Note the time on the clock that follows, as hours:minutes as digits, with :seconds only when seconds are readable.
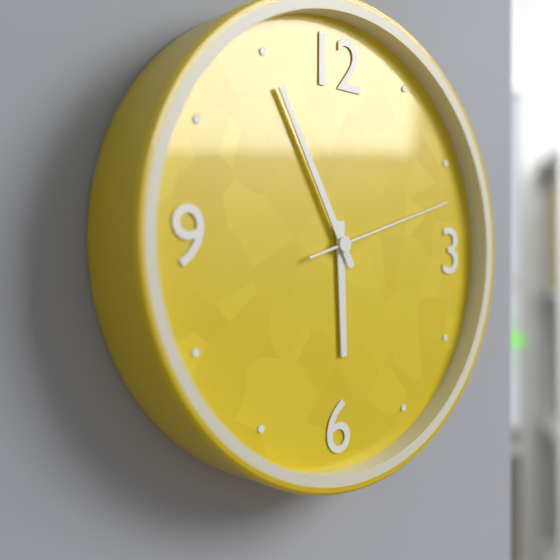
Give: 5:55:12
